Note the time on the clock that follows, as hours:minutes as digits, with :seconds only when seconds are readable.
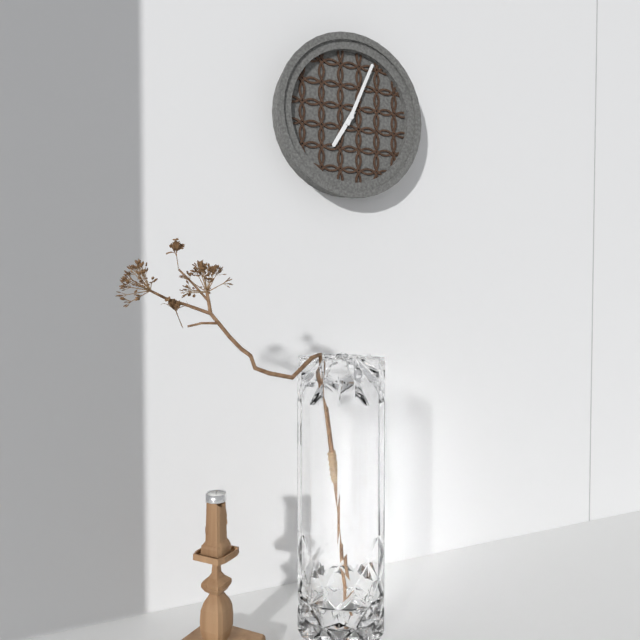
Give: 7:04
